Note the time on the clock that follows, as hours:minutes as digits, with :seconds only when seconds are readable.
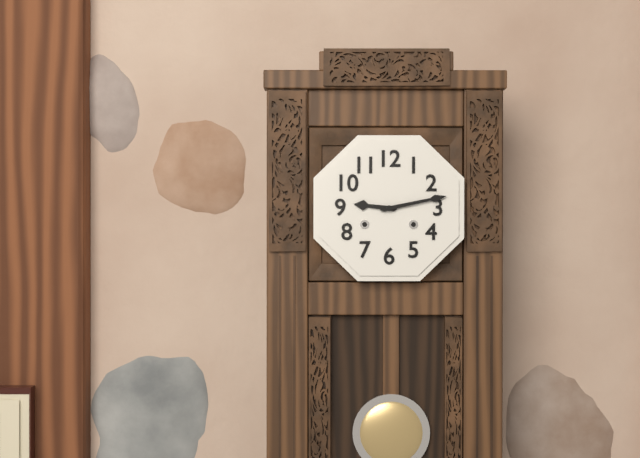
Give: 9:13
